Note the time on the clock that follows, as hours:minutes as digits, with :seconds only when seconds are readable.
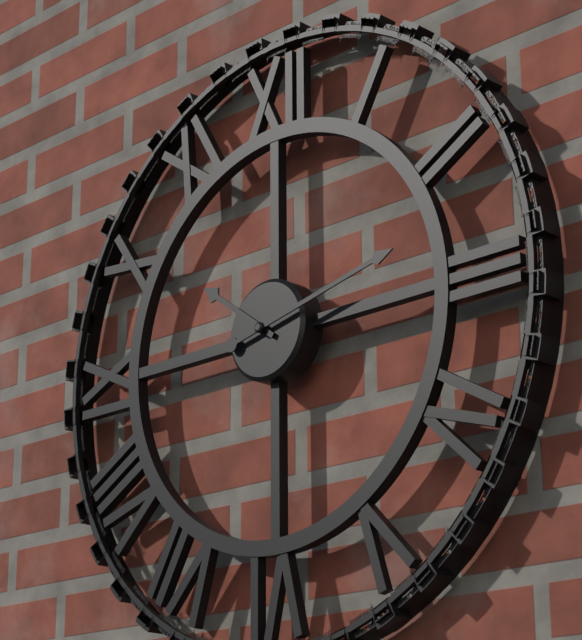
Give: 10:13
